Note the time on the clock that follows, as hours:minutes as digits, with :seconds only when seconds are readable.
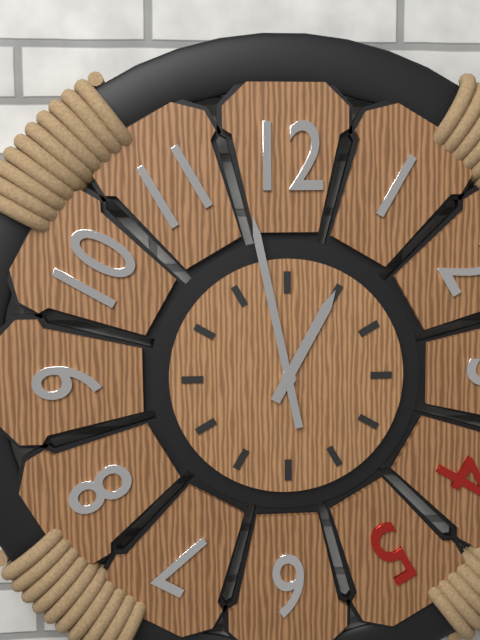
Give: 12:58
